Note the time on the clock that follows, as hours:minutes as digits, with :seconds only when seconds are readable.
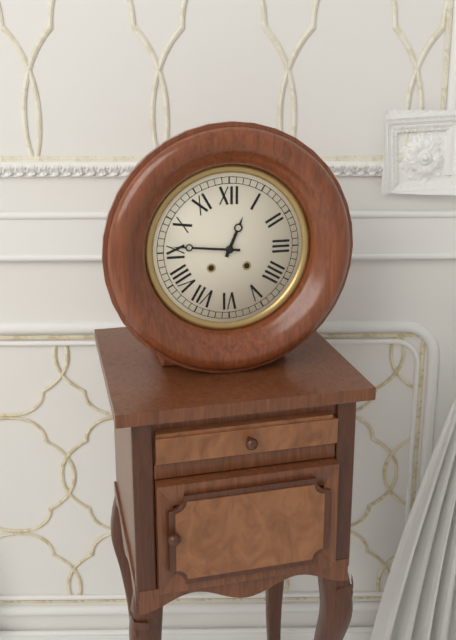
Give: 12:46
